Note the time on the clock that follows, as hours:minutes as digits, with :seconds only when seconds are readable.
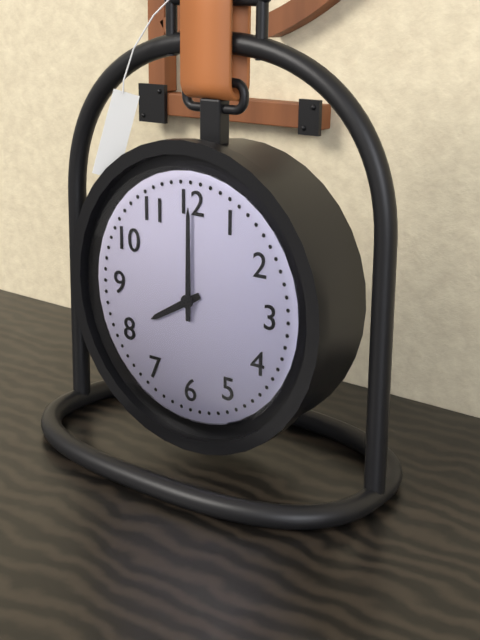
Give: 8:00
